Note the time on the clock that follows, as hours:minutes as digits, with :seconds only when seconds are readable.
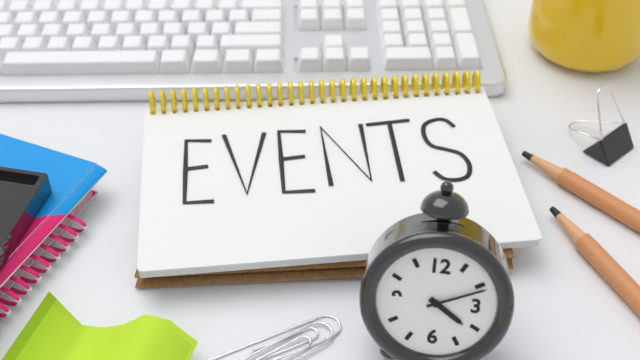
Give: 4:11
